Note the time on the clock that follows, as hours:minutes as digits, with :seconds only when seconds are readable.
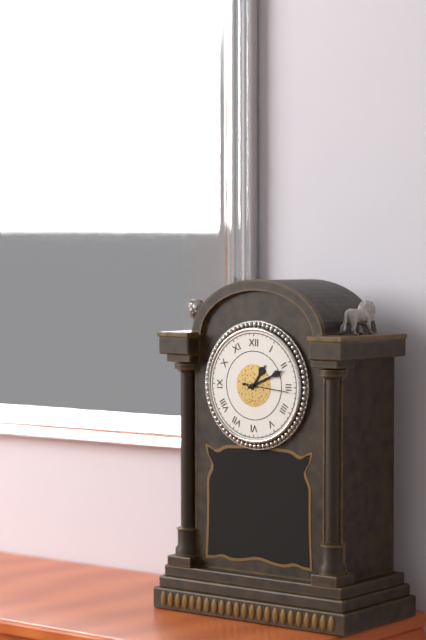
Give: 1:11
